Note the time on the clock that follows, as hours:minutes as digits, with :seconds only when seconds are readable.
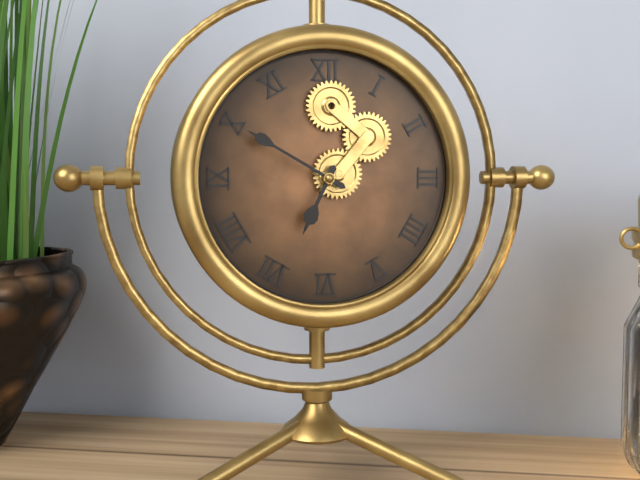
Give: 6:50
